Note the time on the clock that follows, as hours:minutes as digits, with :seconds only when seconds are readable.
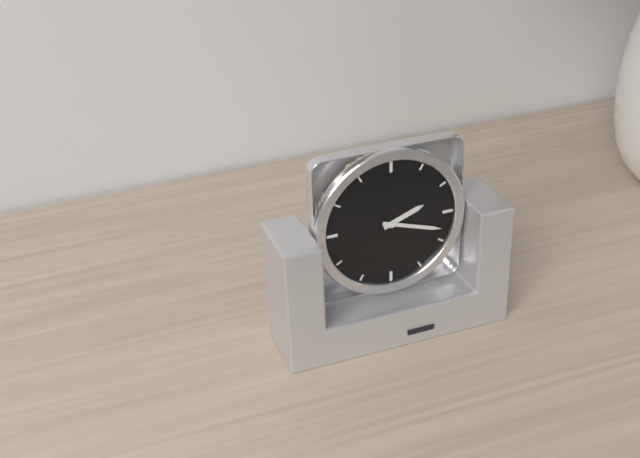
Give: 2:18
